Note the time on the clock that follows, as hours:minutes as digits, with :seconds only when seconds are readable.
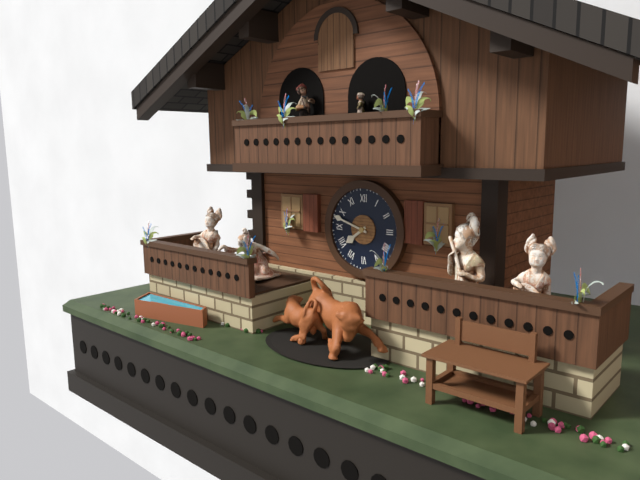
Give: 7:48
